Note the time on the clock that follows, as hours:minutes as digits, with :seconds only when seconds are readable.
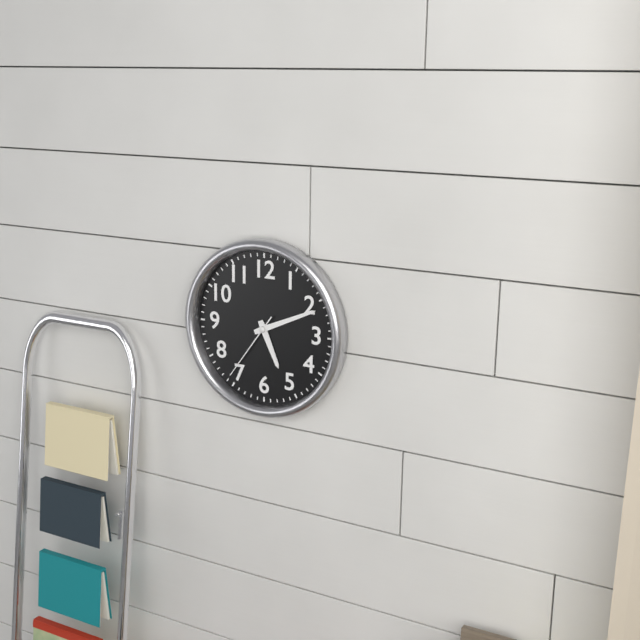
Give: 5:11:36
